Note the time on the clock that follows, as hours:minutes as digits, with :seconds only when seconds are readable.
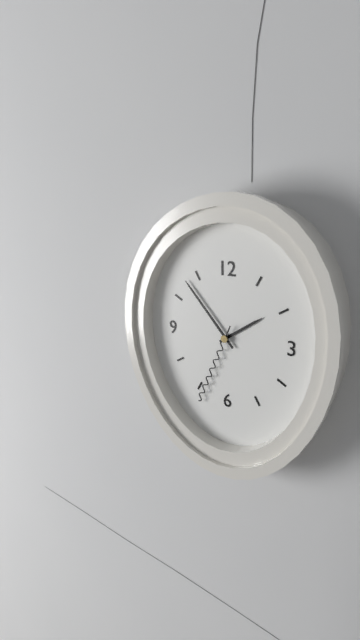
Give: 1:53:34
